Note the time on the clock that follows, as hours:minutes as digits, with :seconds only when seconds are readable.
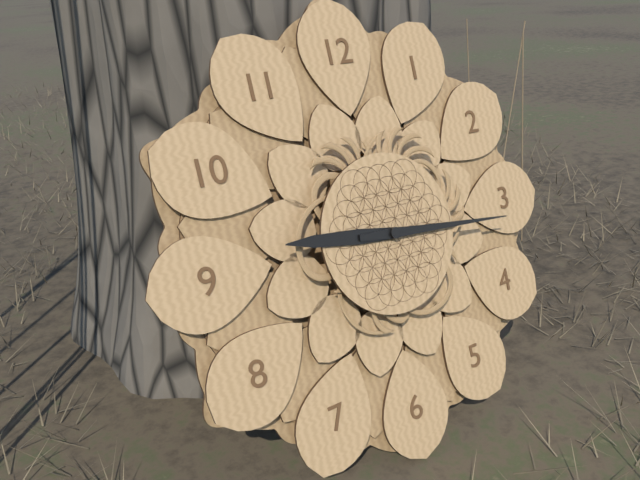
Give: 9:16
